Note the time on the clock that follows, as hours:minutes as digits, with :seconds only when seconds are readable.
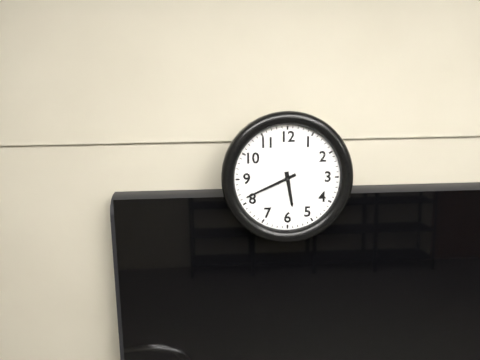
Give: 5:41
